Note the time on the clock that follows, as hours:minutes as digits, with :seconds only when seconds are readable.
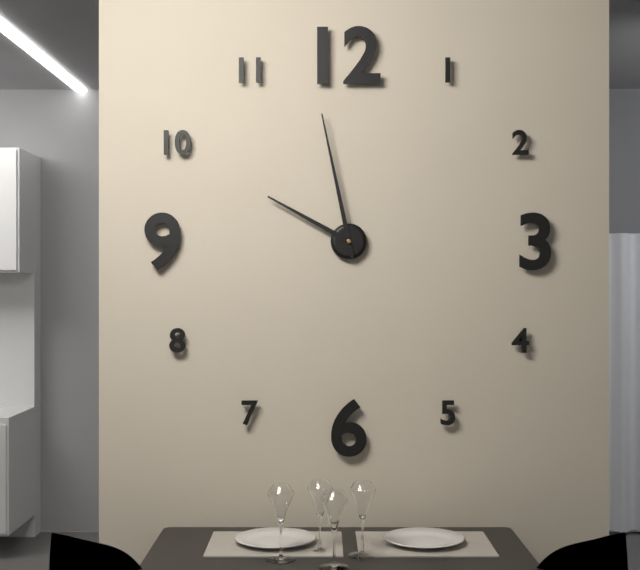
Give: 9:58
